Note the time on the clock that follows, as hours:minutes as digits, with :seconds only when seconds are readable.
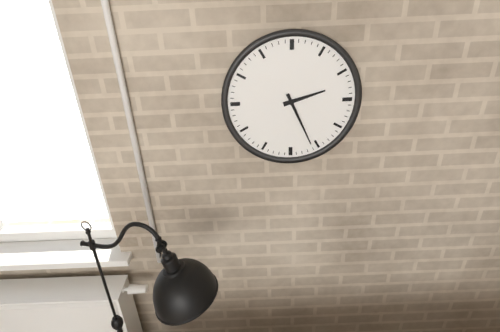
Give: 2:26
